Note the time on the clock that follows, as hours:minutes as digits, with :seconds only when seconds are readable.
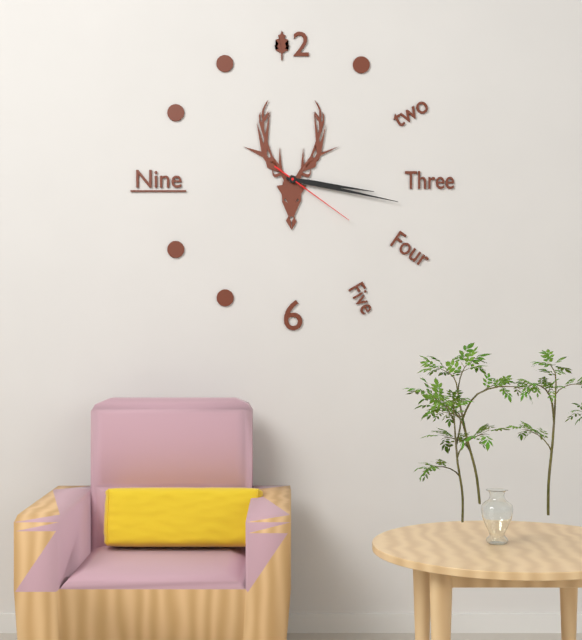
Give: 3:17:21
